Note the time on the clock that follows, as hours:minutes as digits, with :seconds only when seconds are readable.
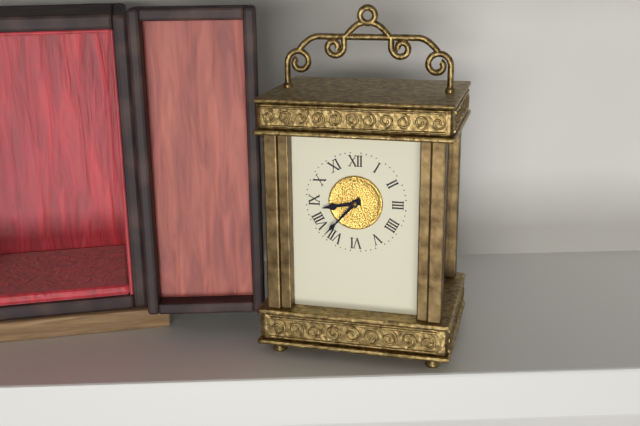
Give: 8:37
